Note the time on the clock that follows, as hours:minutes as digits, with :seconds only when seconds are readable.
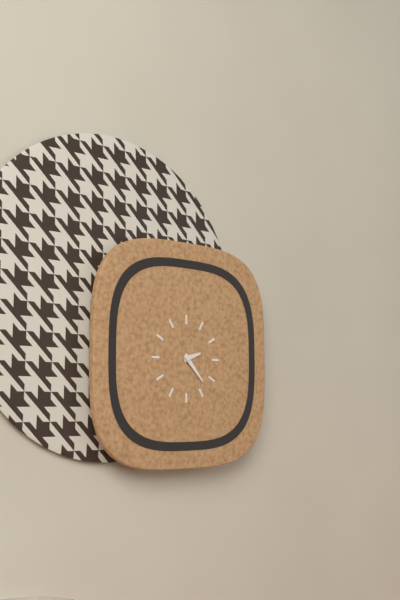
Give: 2:23
